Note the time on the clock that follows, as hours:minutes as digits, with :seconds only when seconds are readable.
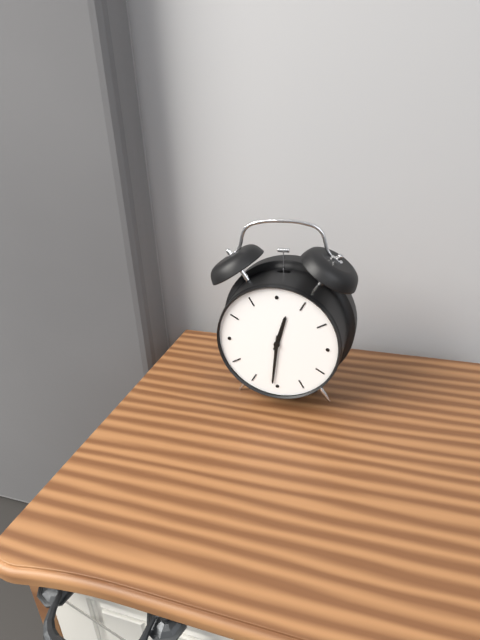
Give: 12:31
